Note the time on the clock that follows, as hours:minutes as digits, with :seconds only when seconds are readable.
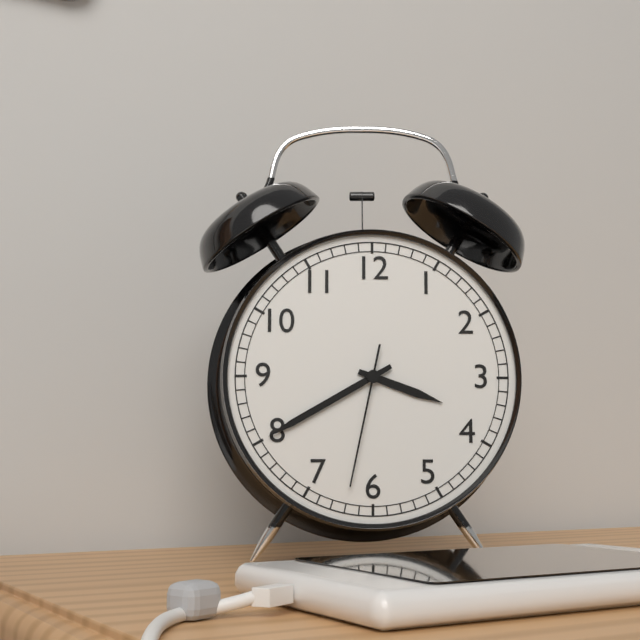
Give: 3:40:32
